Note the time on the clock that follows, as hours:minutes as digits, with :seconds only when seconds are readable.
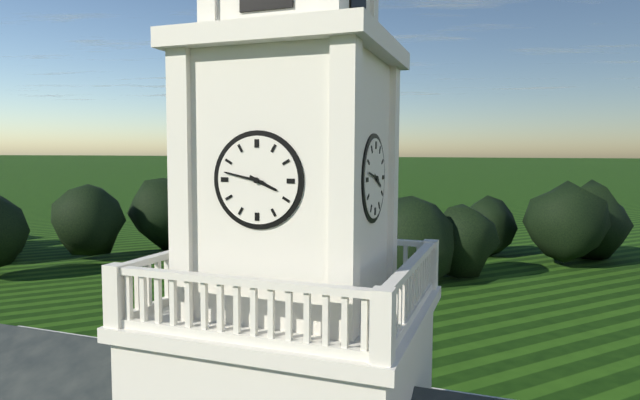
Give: 3:47
